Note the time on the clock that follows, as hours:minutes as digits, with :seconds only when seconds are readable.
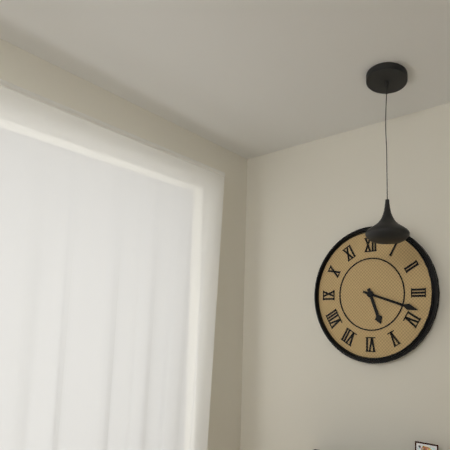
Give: 5:18
